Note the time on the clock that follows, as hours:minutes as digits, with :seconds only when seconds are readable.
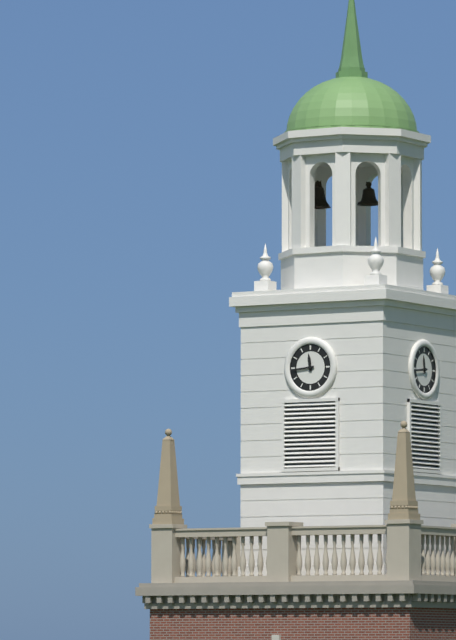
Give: 11:44
